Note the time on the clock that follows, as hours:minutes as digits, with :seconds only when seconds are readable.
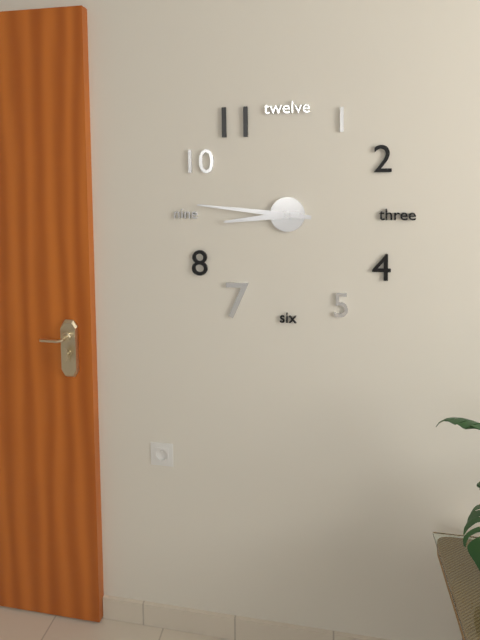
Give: 8:46
